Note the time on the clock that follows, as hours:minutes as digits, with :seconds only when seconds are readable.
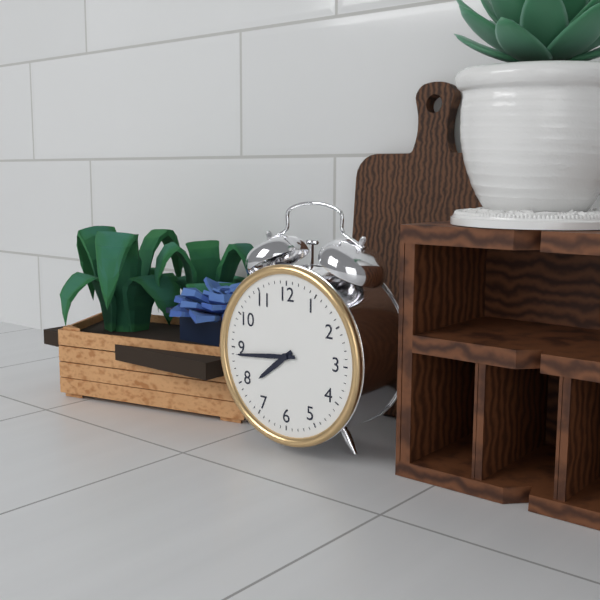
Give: 7:44
